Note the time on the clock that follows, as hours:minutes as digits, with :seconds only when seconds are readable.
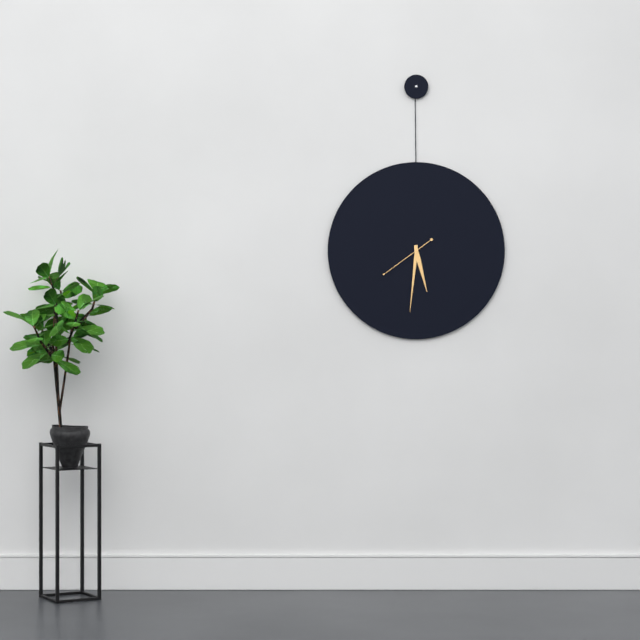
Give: 5:31:39
